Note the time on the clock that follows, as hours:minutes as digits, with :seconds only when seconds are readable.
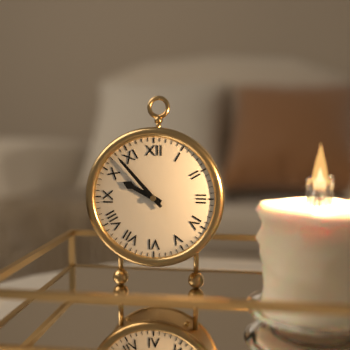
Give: 9:53
